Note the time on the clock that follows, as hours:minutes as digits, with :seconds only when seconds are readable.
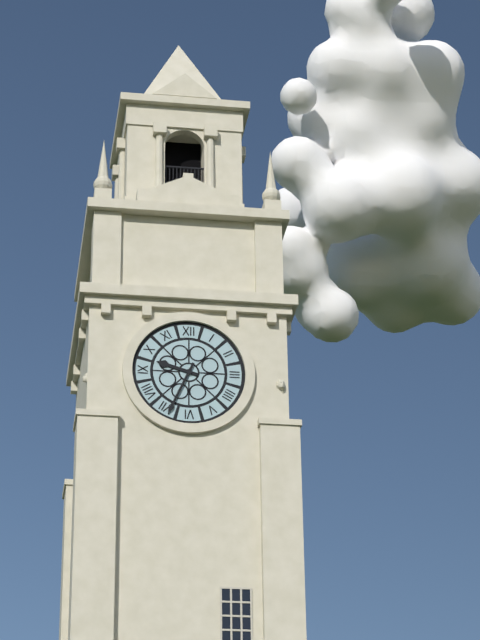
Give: 9:34
